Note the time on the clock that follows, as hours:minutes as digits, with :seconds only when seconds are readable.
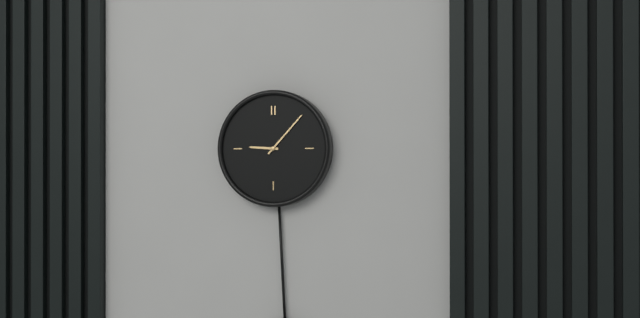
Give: 9:07
